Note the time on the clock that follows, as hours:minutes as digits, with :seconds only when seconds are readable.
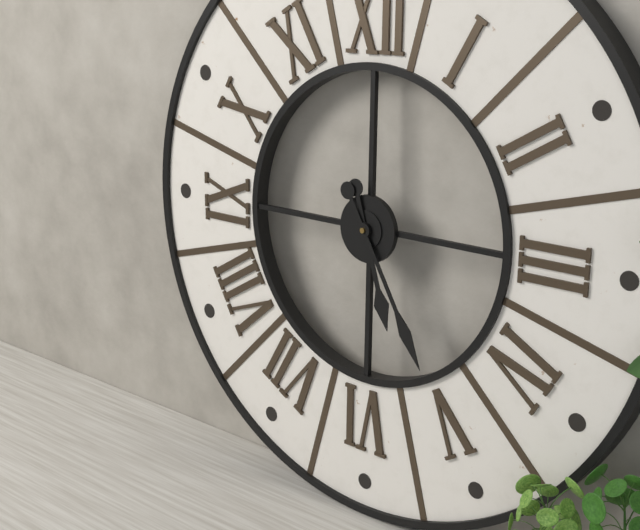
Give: 5:25
